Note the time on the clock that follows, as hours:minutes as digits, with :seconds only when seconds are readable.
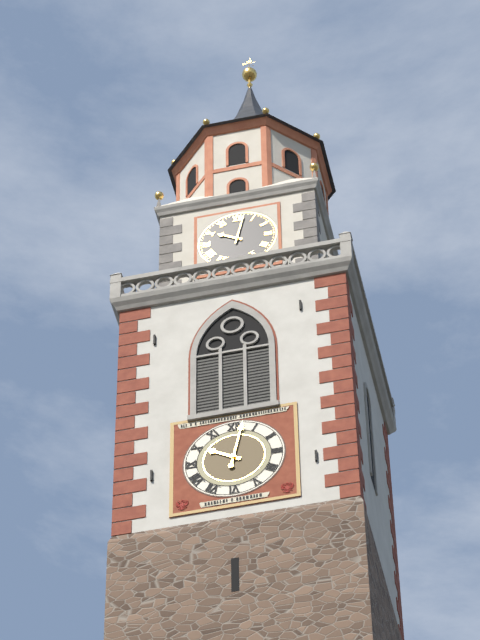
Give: 10:02
